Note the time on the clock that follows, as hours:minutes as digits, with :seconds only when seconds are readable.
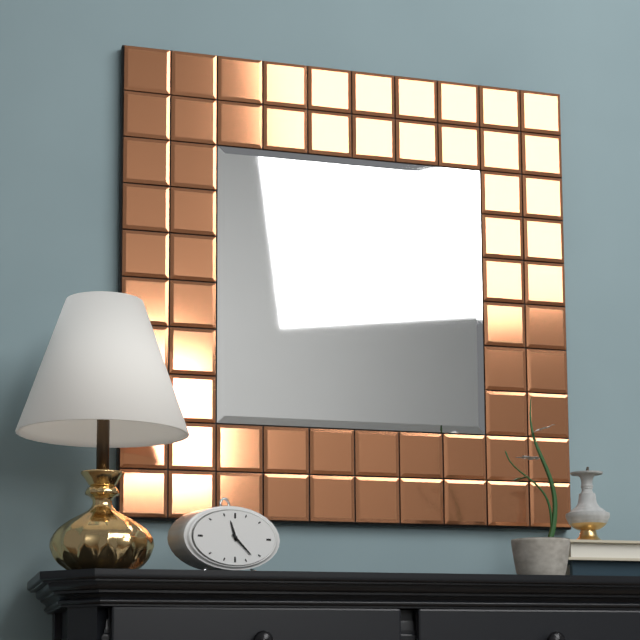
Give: 11:22
